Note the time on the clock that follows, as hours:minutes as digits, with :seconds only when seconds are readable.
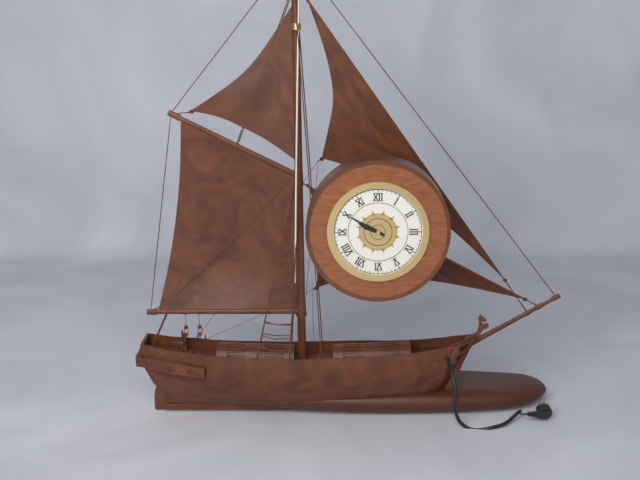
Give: 9:50
